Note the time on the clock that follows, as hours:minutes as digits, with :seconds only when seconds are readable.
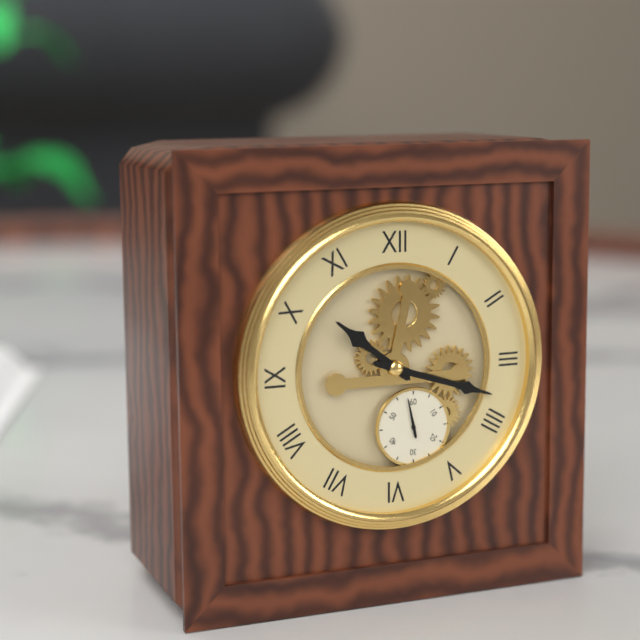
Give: 10:18
